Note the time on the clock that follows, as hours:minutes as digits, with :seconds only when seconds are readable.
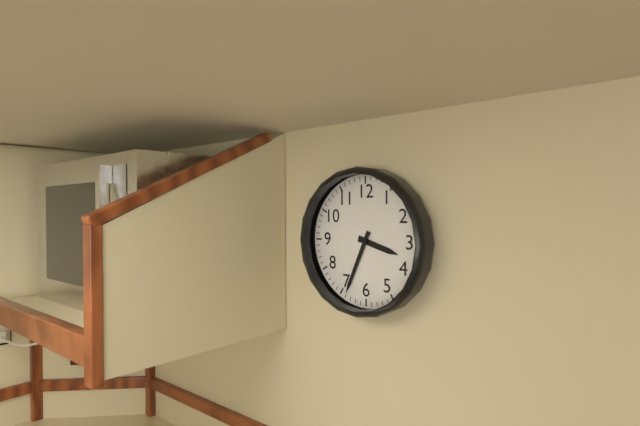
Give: 3:34
